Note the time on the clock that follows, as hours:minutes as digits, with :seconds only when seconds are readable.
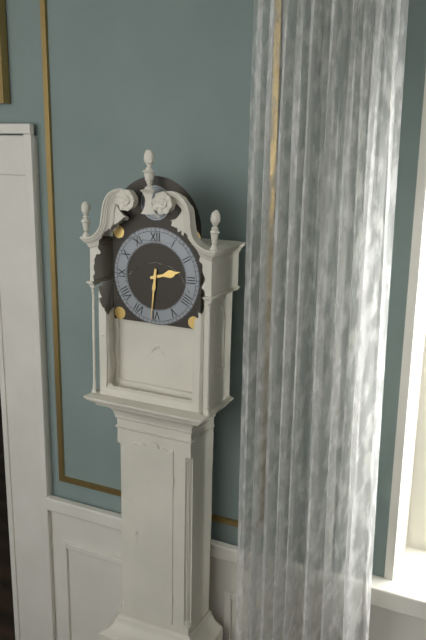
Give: 2:31
